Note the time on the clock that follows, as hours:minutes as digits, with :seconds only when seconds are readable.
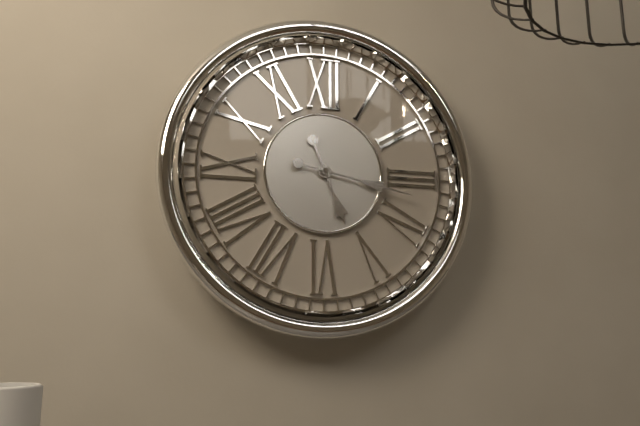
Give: 5:17
